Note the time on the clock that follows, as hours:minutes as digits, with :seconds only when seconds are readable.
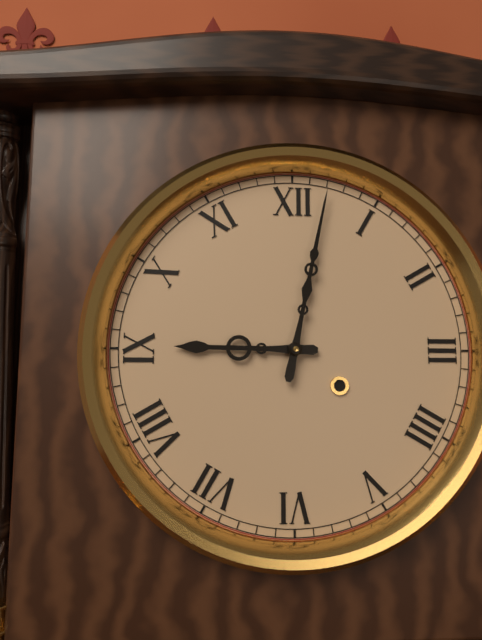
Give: 9:02
